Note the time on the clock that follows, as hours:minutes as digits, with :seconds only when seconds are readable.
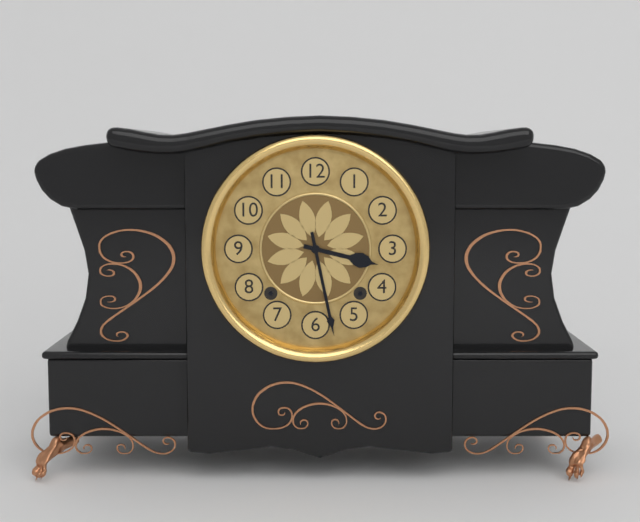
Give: 3:28
